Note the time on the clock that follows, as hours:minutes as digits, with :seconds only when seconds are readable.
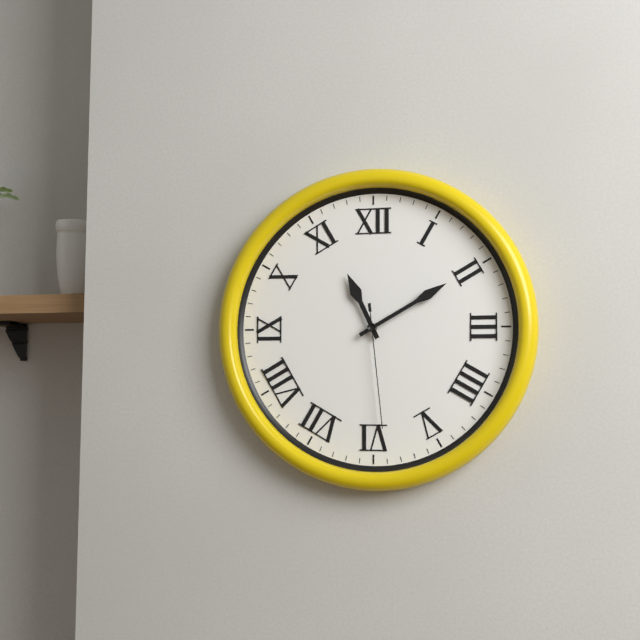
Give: 11:10:29
